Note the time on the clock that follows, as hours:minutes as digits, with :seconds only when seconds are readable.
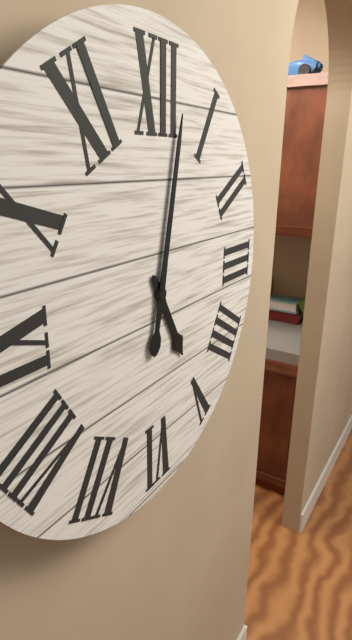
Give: 5:02
